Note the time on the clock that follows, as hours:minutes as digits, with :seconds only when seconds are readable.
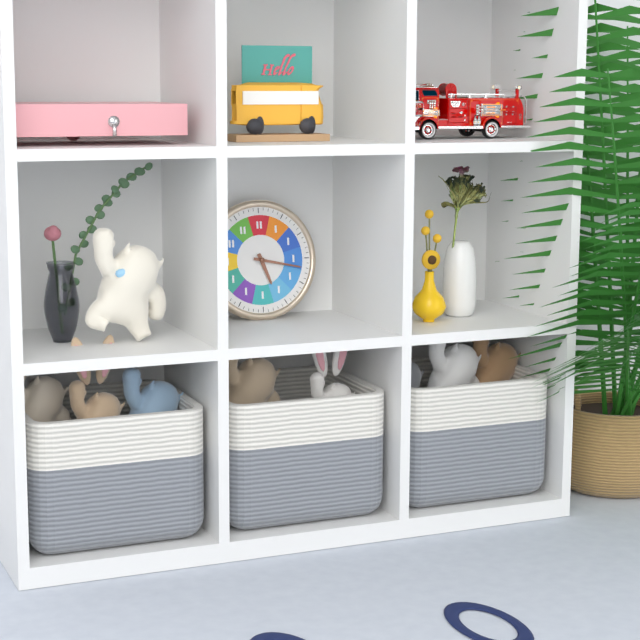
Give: 5:17
